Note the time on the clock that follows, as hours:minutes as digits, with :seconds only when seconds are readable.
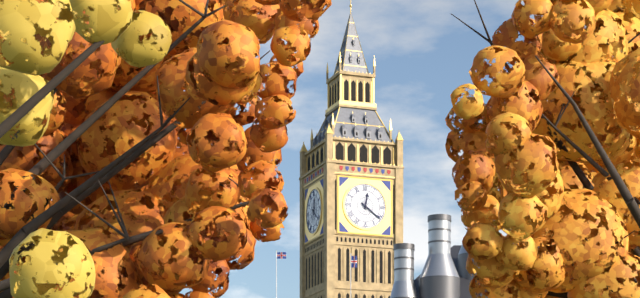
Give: 12:21
